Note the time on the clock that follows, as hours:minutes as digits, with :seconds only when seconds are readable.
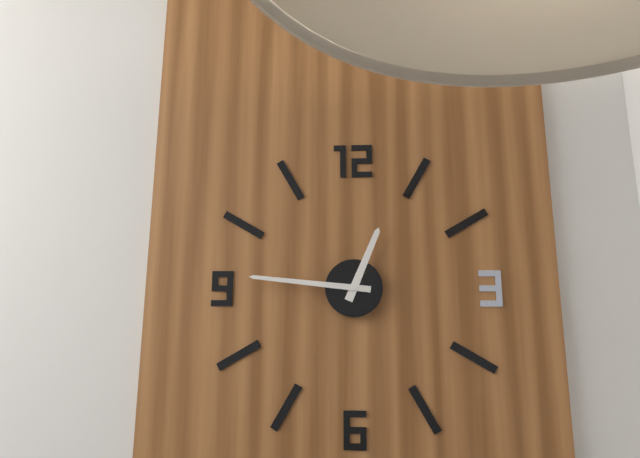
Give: 12:46
